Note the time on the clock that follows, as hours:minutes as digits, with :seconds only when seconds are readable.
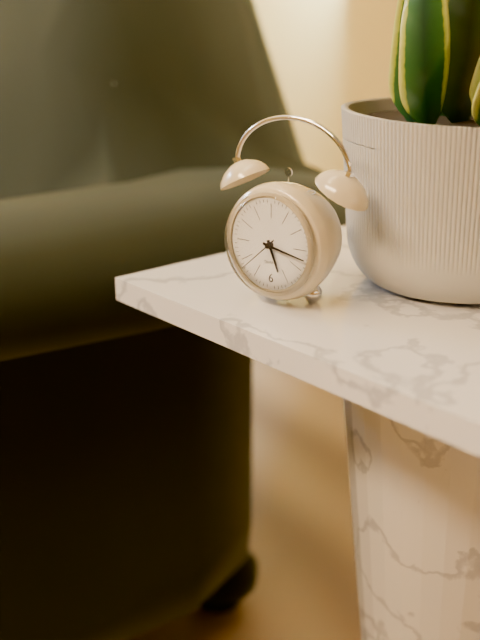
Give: 5:17
